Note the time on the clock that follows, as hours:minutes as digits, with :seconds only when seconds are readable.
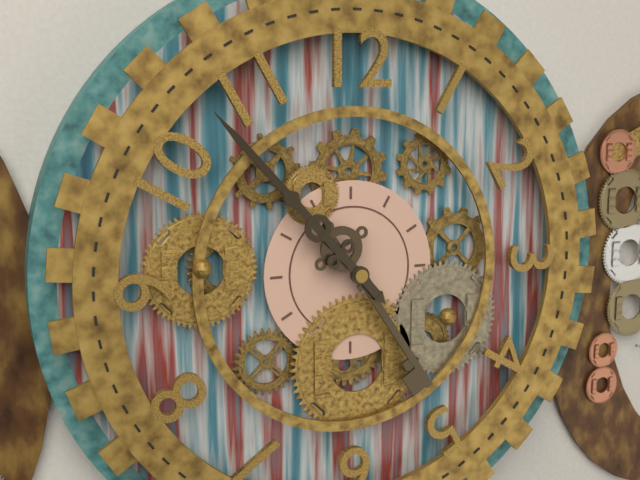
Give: 4:53
